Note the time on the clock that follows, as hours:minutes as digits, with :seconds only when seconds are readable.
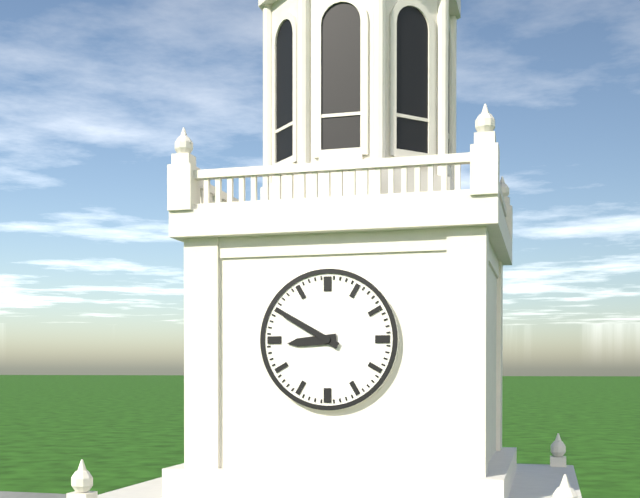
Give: 8:50
